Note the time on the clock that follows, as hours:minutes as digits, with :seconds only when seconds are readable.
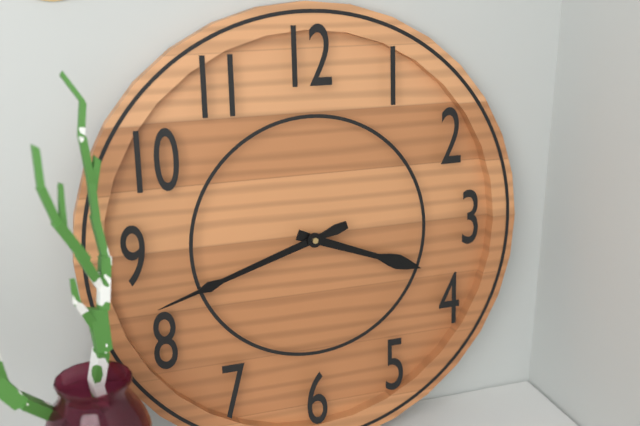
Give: 3:42
